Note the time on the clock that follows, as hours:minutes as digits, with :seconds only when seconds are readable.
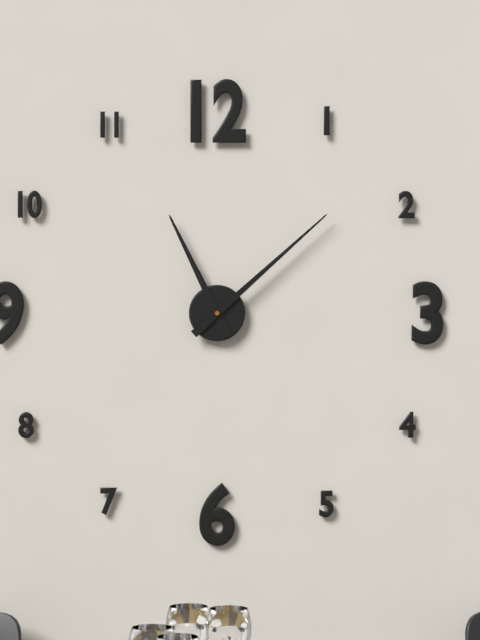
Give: 11:08
